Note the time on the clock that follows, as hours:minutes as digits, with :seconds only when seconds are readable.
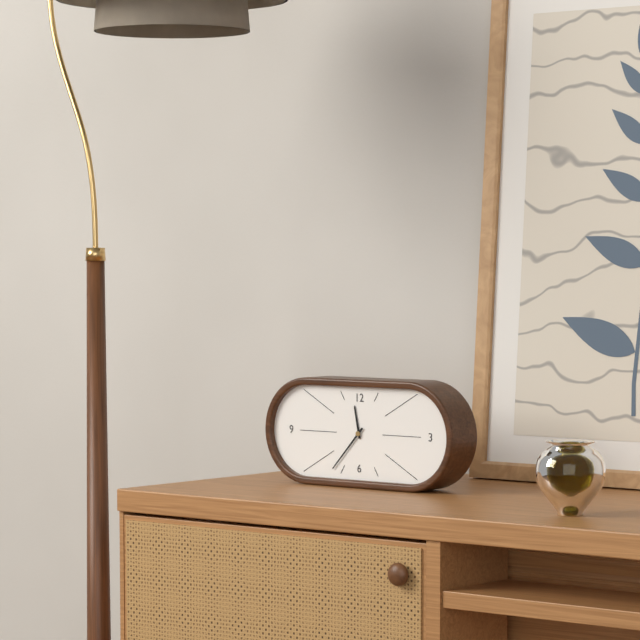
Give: 11:37
